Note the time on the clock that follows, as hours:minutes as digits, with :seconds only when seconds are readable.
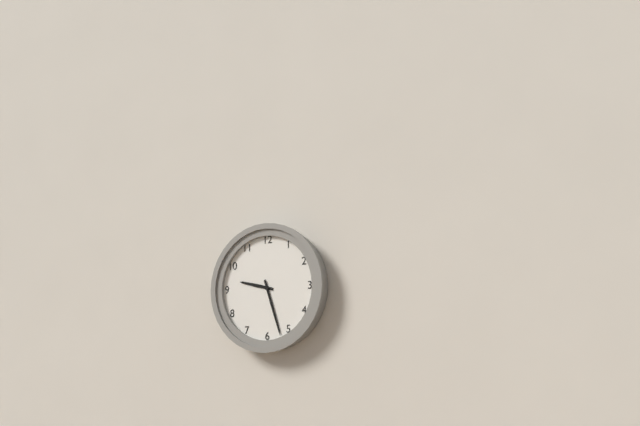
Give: 9:27
